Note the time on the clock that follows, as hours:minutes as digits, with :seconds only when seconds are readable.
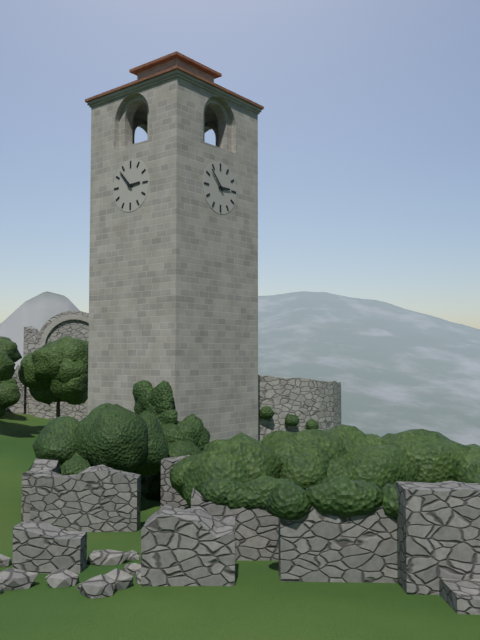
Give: 2:53
